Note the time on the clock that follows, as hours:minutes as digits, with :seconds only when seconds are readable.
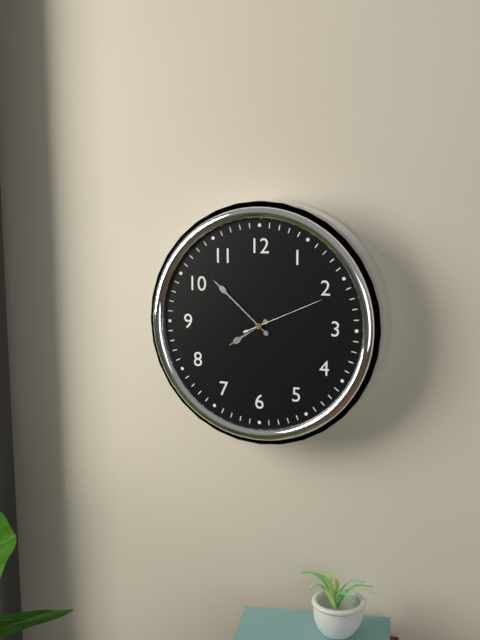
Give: 7:52:11
